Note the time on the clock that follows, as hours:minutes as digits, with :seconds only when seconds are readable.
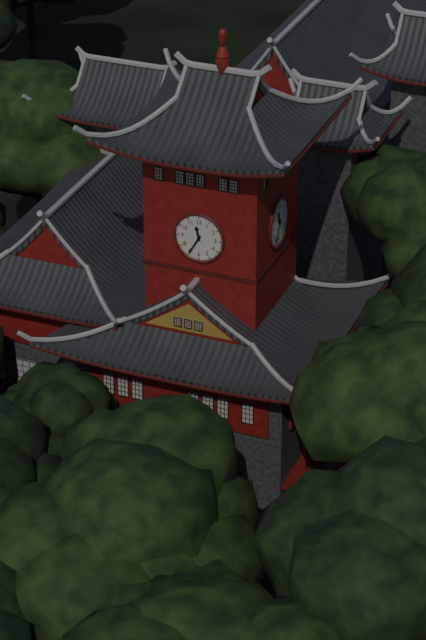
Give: 11:35
